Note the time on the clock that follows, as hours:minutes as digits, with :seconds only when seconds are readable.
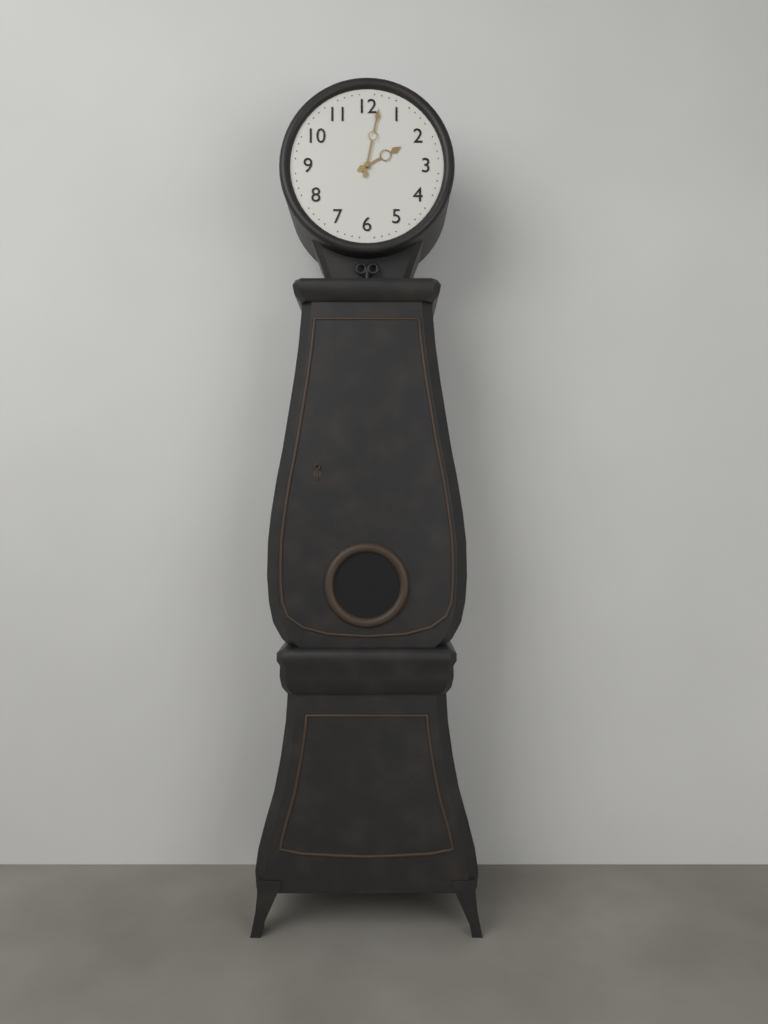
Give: 2:02
